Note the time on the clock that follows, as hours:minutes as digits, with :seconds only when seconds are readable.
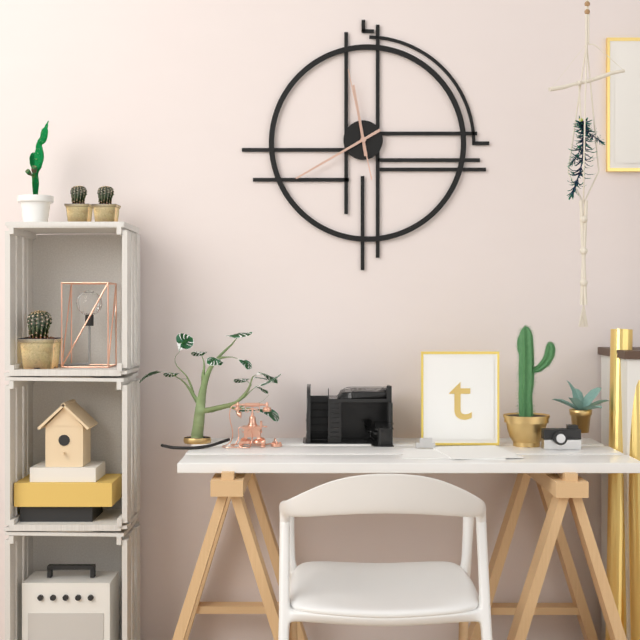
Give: 11:40:58
